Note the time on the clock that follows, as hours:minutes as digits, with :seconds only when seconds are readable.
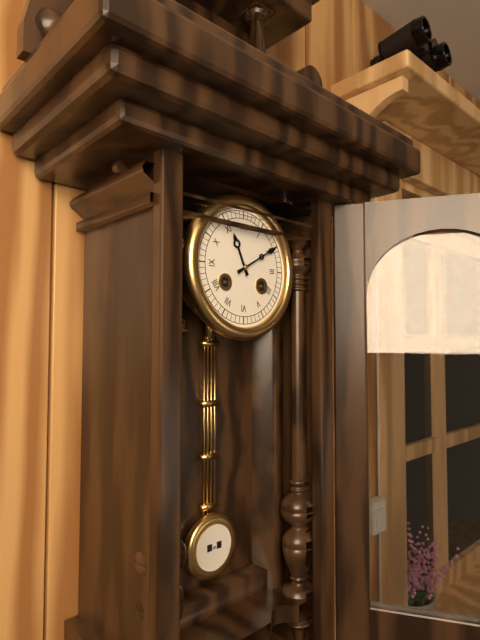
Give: 11:10
